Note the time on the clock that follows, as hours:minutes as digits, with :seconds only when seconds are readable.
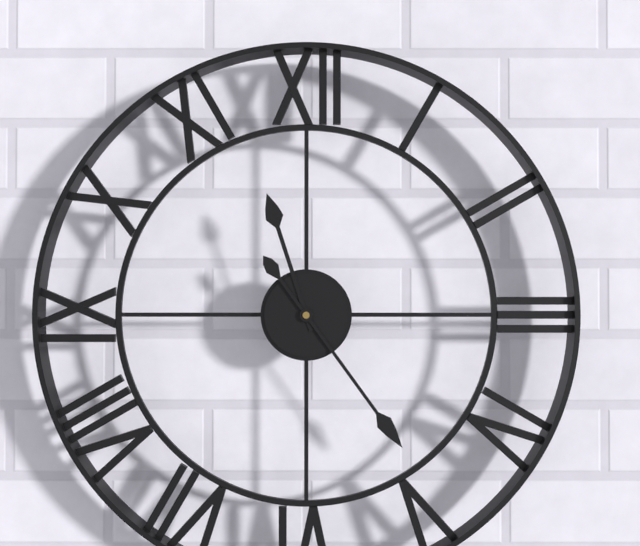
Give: 11:24
